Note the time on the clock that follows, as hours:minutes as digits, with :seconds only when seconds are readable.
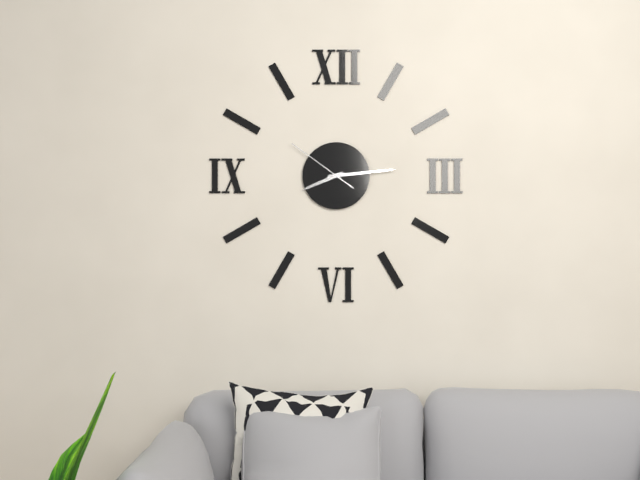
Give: 8:14:51
